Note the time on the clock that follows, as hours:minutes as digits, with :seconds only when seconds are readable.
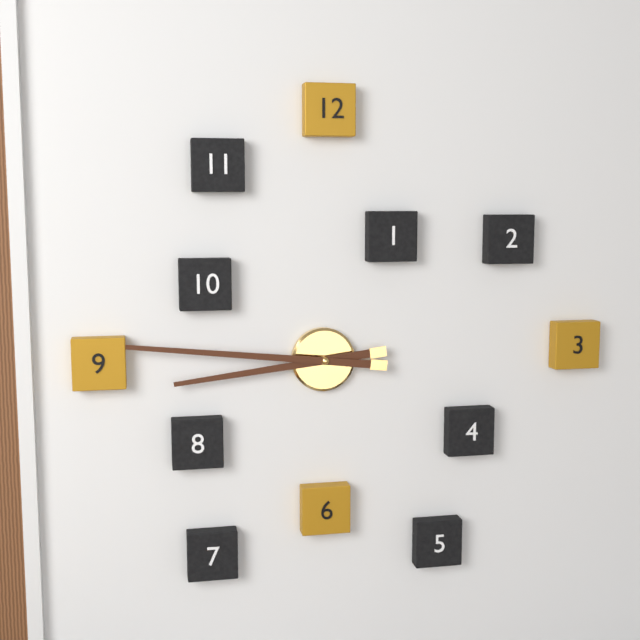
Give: 8:46
